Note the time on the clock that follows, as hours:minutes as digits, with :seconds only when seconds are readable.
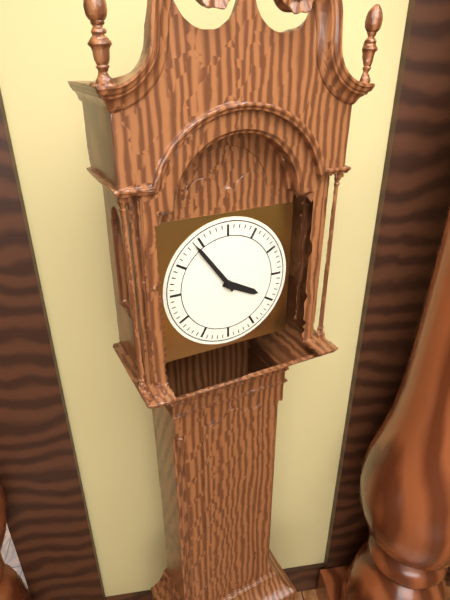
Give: 3:54
